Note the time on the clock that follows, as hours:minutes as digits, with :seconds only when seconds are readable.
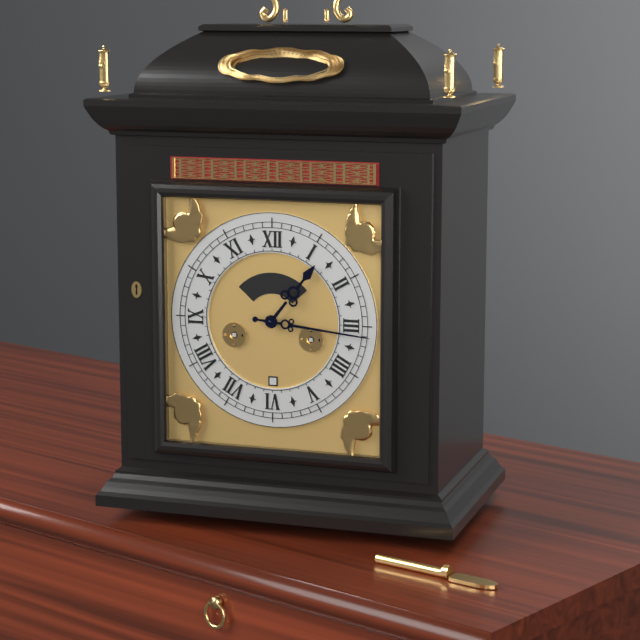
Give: 1:16
